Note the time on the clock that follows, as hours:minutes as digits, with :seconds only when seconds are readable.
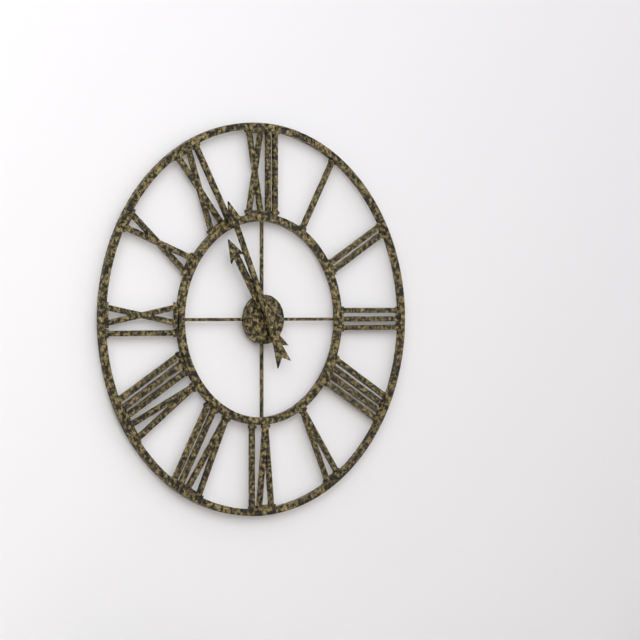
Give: 10:56
